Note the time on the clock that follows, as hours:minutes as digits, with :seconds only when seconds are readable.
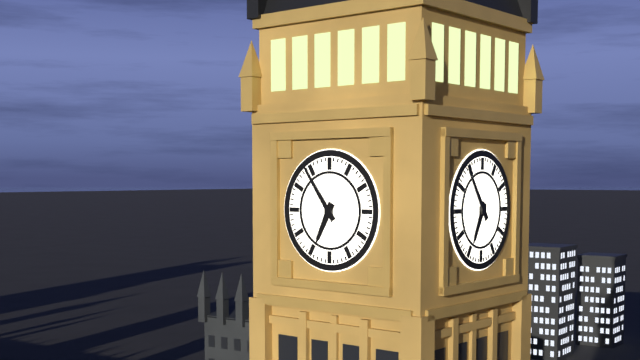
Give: 6:54
